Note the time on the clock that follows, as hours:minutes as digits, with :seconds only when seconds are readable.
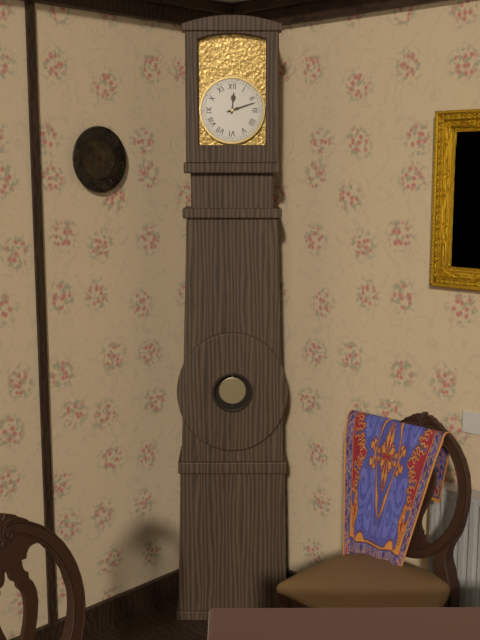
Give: 12:12
